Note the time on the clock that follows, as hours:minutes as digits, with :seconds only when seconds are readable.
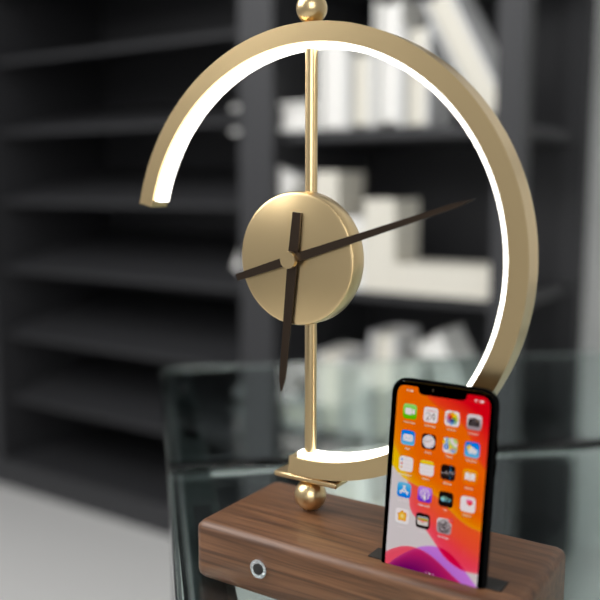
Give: 6:12
